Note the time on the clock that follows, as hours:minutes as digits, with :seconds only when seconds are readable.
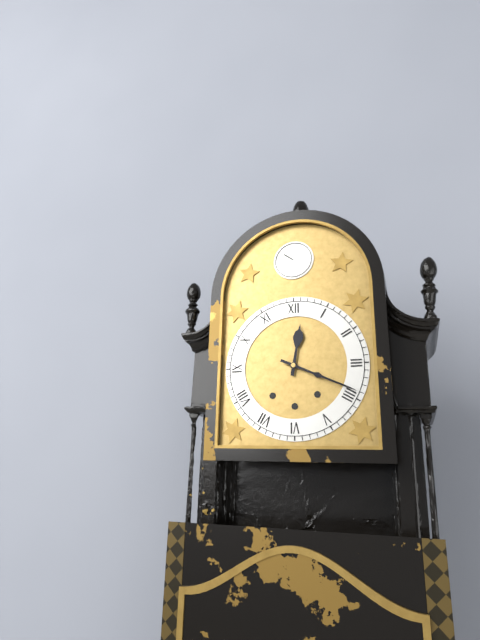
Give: 12:19
